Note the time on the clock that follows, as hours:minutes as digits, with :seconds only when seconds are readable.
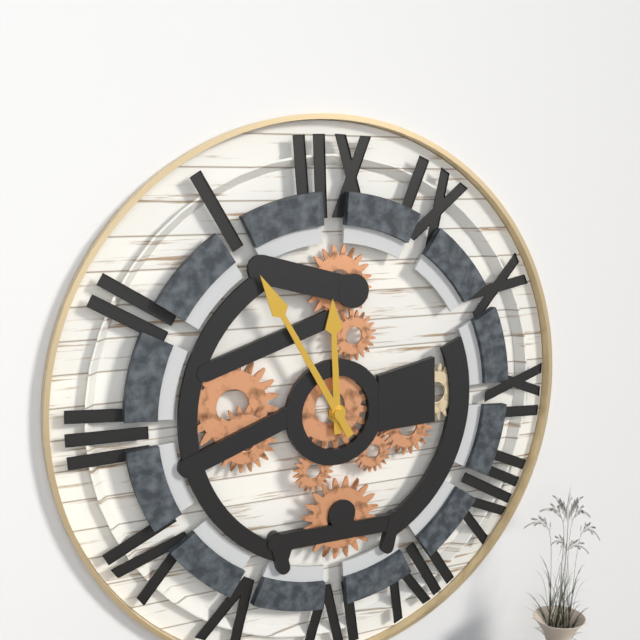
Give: 11:55
